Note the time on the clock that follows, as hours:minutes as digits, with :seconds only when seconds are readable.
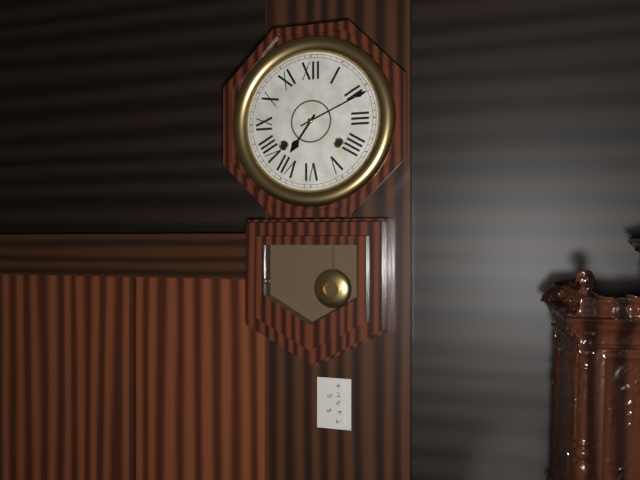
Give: 7:11
